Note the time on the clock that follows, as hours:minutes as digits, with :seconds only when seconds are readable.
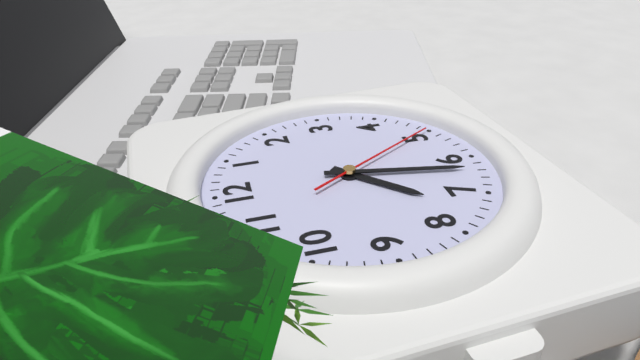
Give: 7:32:25
